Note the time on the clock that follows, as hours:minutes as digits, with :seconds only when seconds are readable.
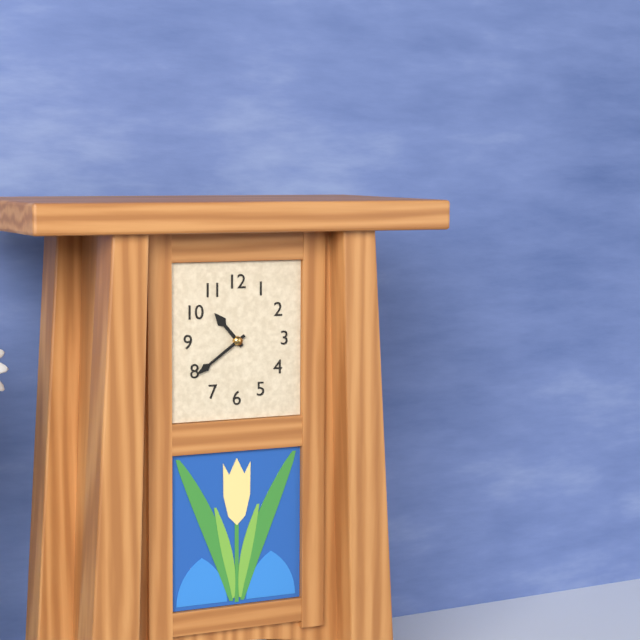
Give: 10:39
